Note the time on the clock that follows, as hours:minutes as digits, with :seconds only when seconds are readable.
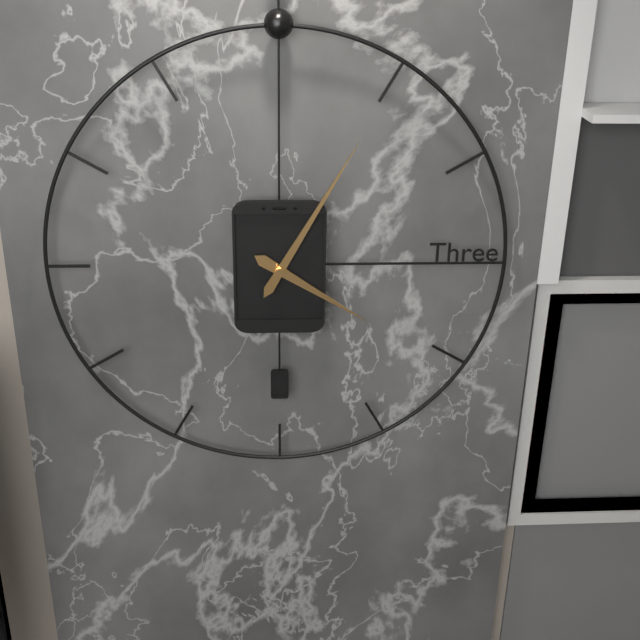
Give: 4:05
